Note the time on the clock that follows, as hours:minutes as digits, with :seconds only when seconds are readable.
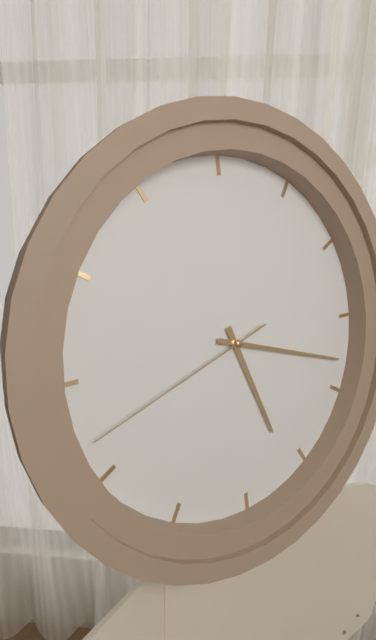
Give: 5:18:42
